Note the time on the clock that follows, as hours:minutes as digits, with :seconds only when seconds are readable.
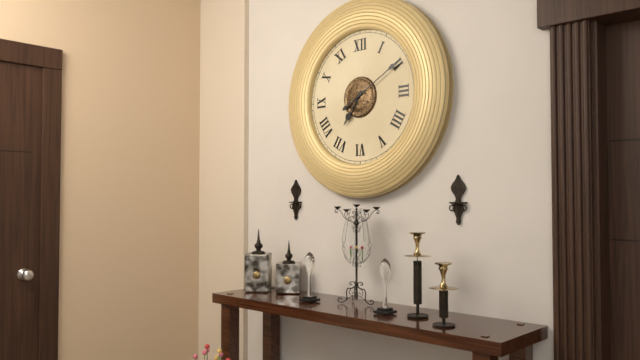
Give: 7:10
